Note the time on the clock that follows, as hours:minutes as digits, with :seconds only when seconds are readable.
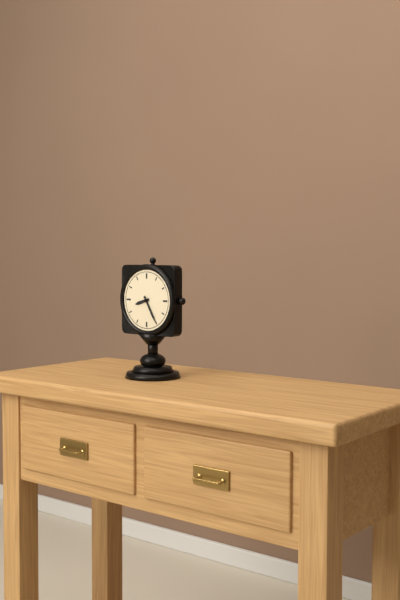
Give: 8:25
